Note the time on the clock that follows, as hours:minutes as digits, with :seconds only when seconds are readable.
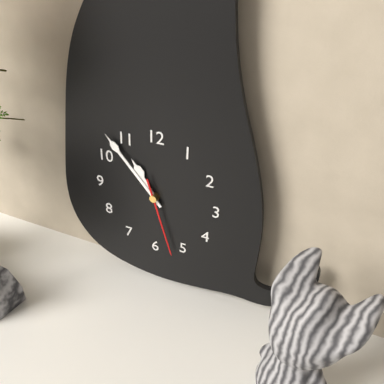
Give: 10:53:27
